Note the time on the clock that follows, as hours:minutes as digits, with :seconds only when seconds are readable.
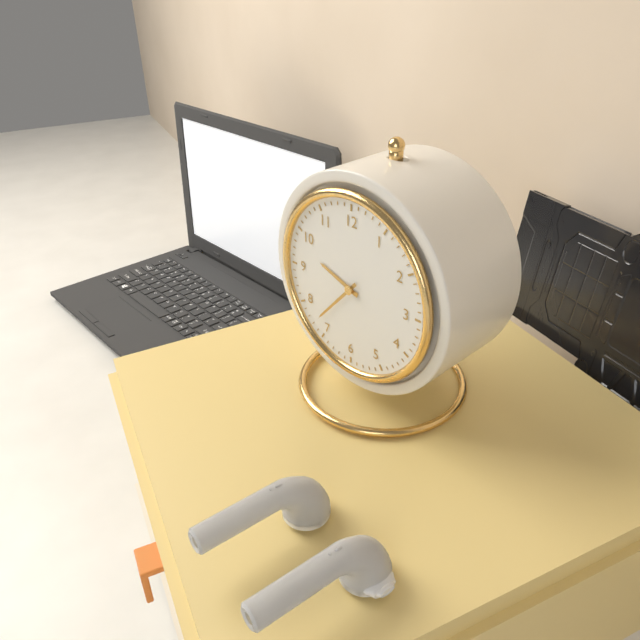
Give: 9:37
